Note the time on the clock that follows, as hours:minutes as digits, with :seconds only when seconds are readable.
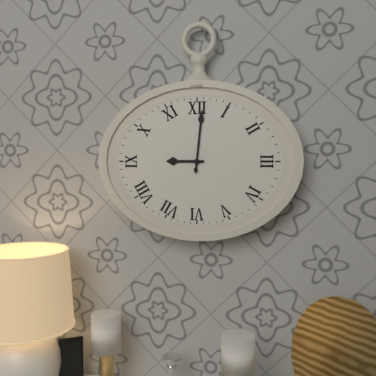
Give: 9:01
